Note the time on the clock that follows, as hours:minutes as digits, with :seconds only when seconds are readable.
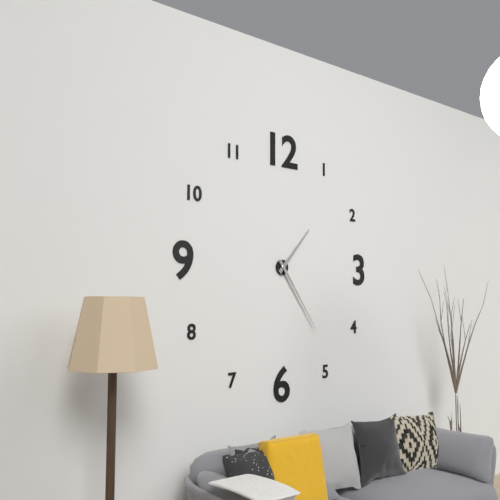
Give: 1:24
